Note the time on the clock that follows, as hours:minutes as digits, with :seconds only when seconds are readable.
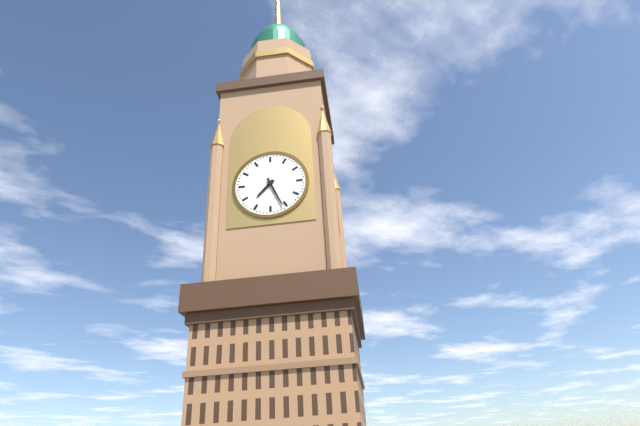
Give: 7:26
